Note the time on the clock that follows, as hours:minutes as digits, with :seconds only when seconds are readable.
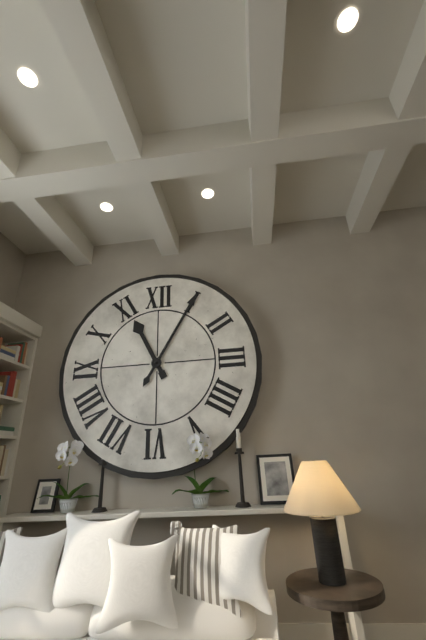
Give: 11:05
